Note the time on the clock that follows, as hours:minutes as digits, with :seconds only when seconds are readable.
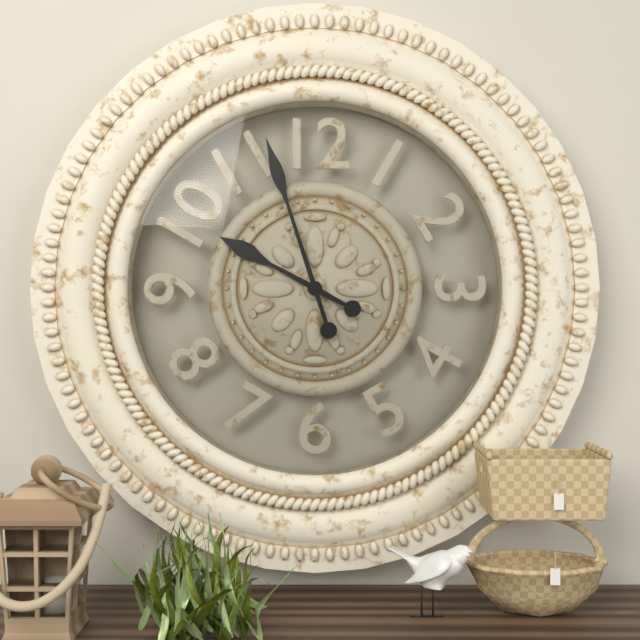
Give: 9:57
